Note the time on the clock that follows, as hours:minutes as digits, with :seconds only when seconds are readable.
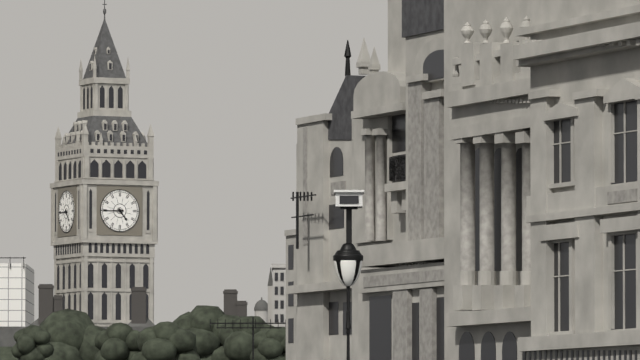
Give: 4:45
